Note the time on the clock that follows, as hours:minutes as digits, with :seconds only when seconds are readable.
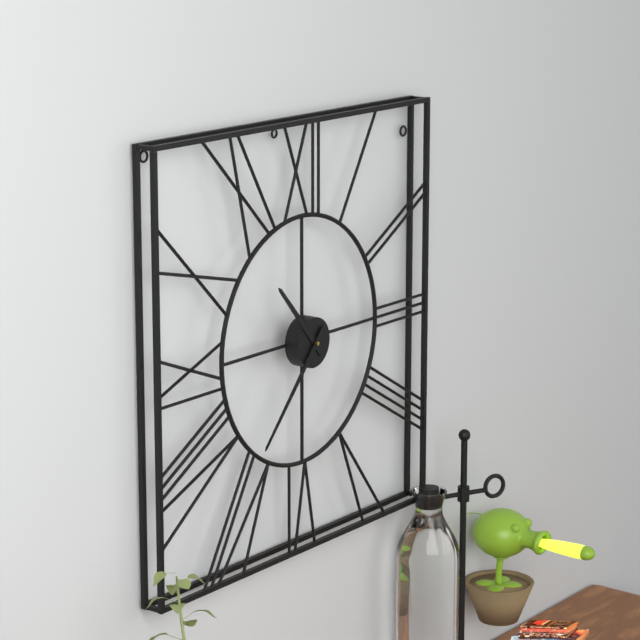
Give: 10:37
